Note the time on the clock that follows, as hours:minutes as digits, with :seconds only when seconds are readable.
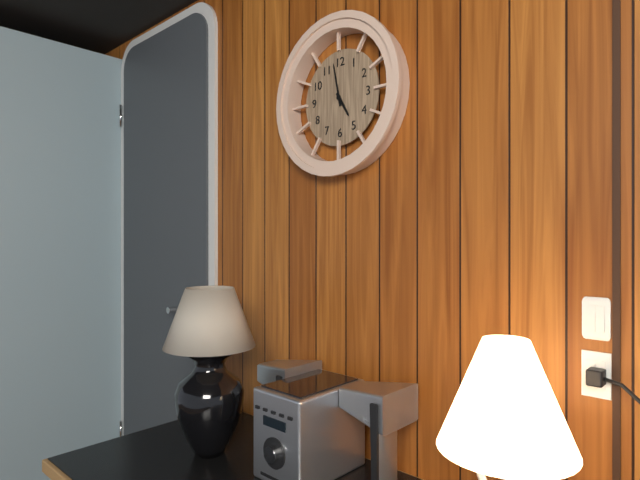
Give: 4:58
